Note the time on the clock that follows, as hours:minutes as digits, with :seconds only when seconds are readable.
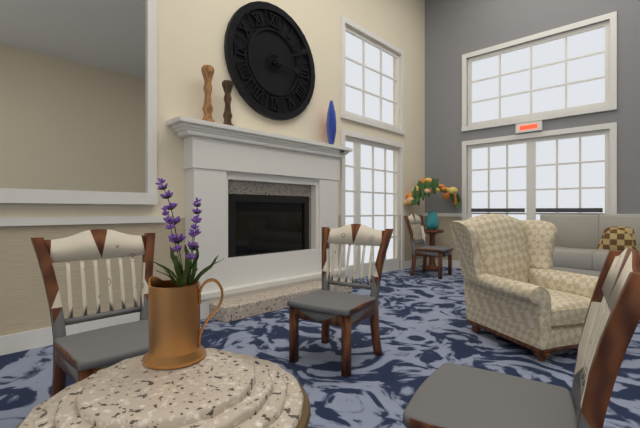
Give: 3:10
